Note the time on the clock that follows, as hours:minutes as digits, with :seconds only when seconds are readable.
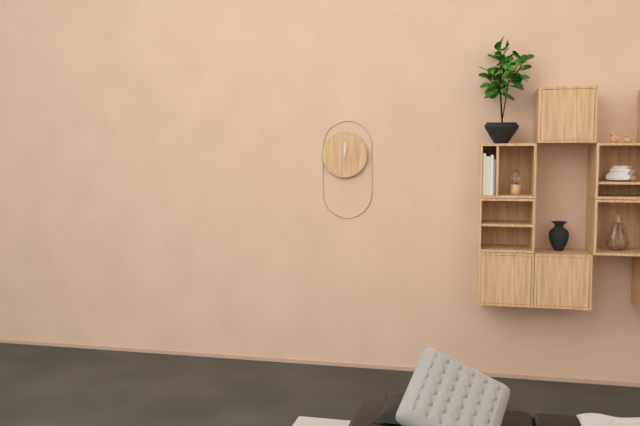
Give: 12:02
